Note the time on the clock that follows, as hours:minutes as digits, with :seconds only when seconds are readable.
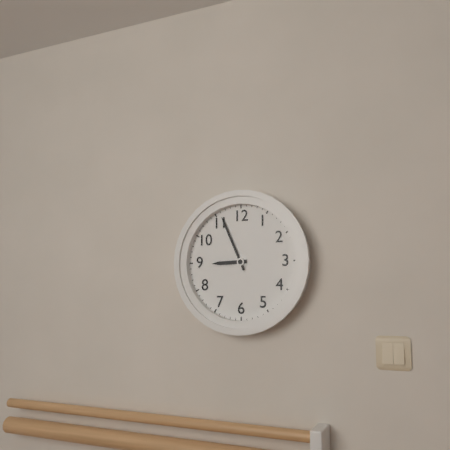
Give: 8:56
